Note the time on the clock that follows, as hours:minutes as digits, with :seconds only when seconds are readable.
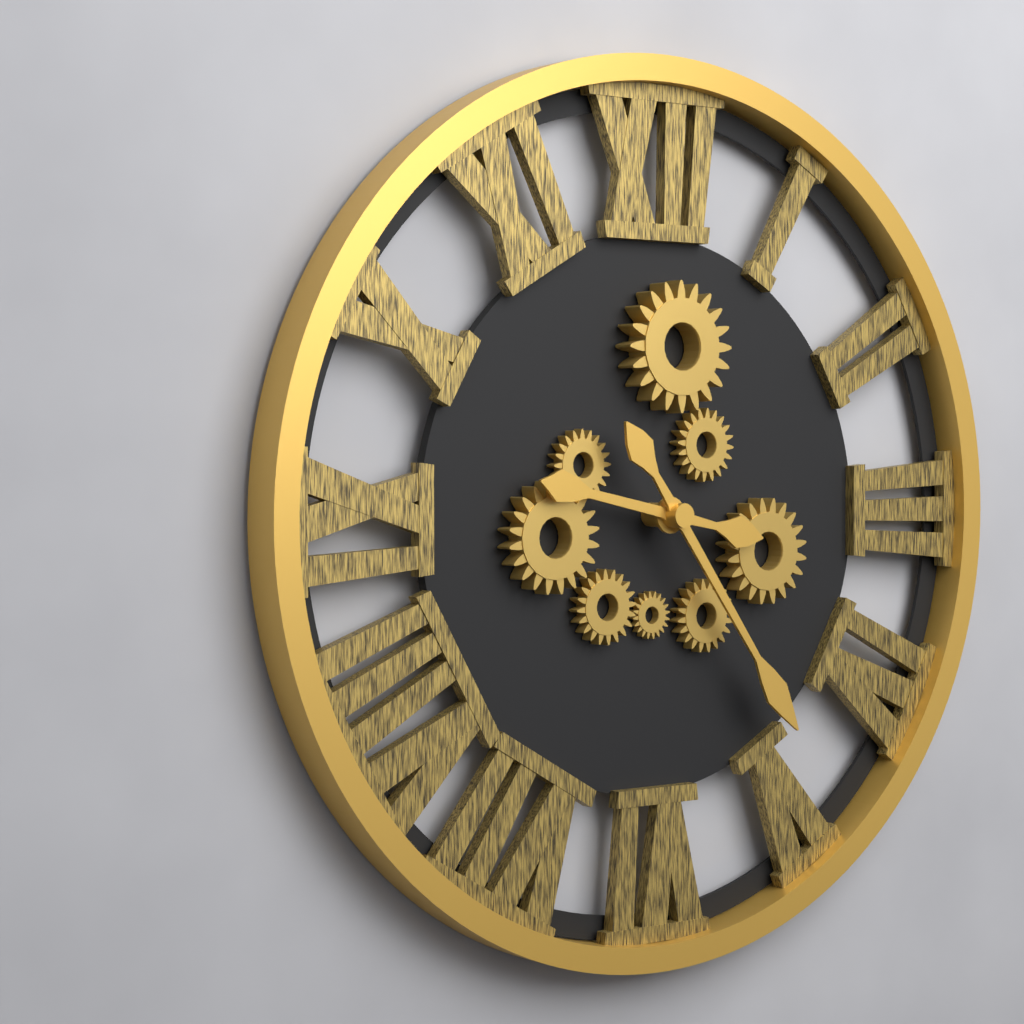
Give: 9:24
